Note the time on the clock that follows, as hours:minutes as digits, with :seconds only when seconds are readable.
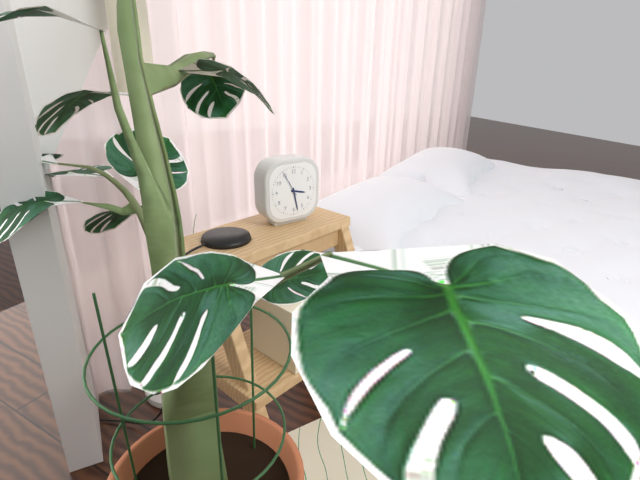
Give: 3:28
